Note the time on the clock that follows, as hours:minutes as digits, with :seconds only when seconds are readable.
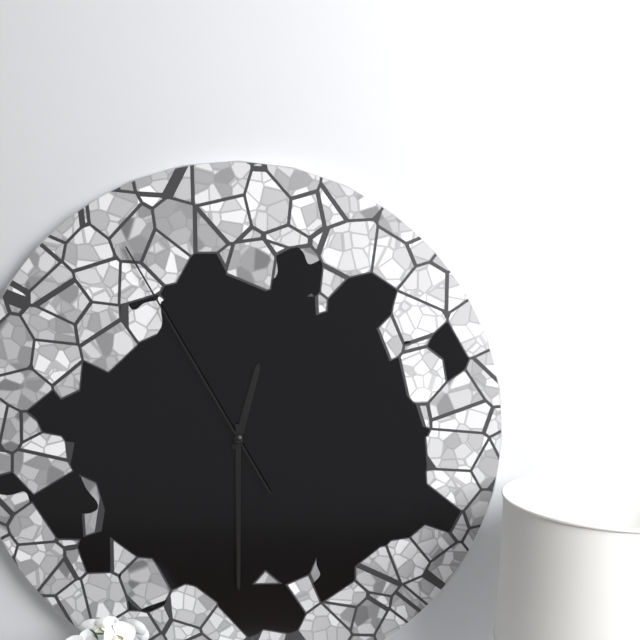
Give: 12:30:55
